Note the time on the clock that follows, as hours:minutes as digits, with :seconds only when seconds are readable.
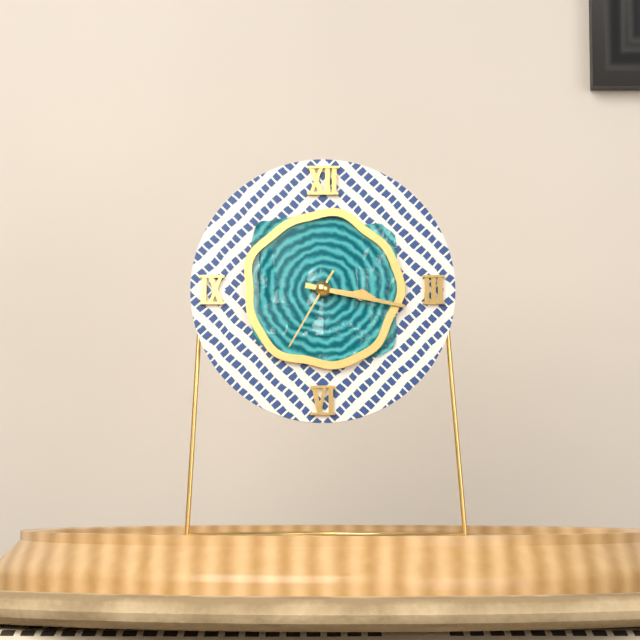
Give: 3:17:35
